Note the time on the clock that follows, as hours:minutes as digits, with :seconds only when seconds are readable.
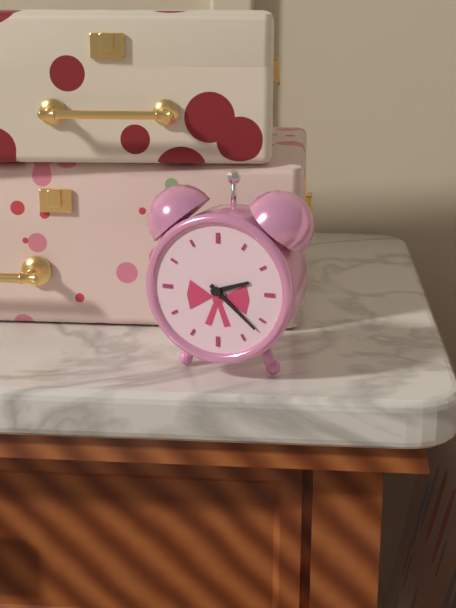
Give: 2:22
